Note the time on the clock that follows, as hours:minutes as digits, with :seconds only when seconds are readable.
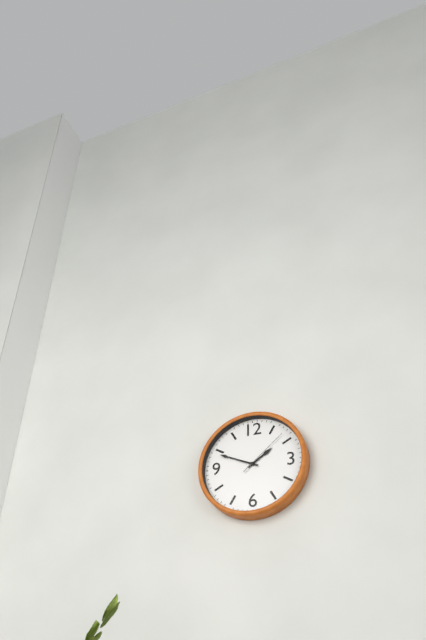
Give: 1:49:08
